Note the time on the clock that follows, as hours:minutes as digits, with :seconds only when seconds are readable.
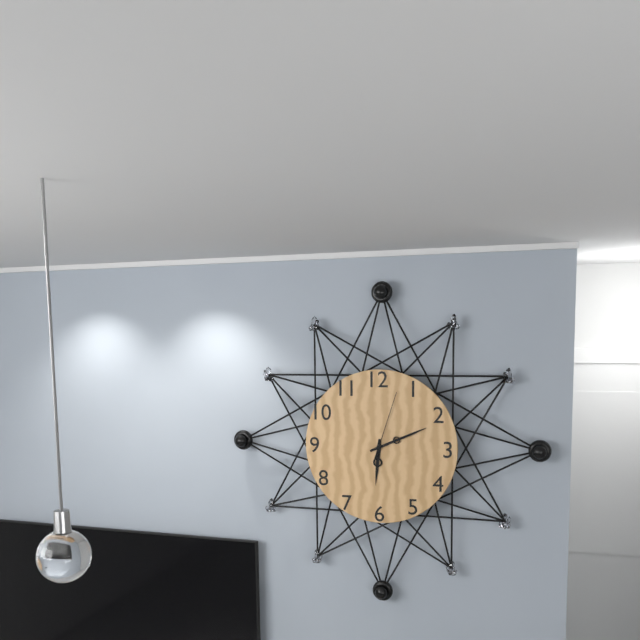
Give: 6:11:03
